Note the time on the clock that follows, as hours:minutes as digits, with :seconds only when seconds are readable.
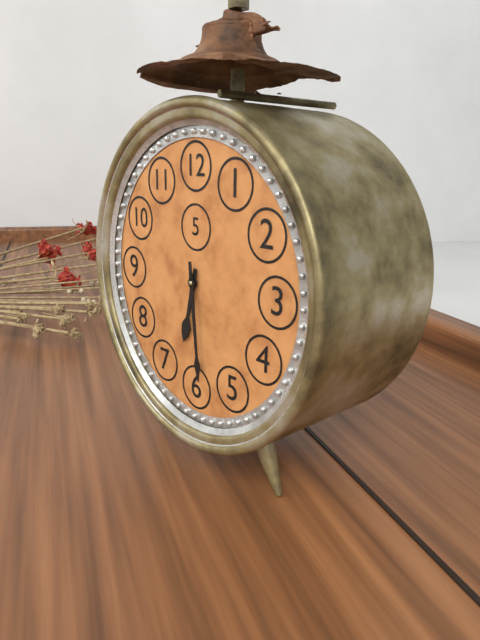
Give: 6:29
